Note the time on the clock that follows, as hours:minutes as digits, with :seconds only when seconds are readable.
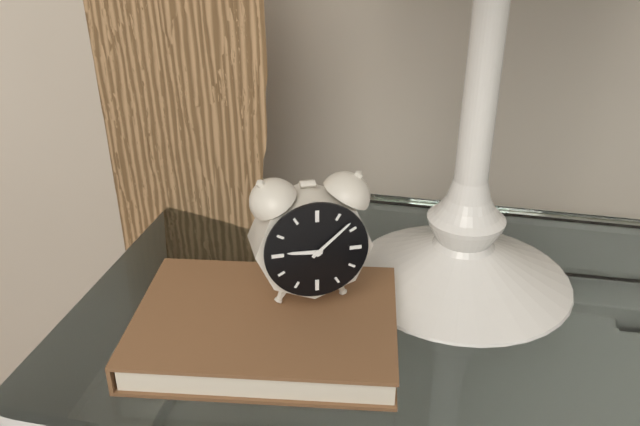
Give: 9:08
